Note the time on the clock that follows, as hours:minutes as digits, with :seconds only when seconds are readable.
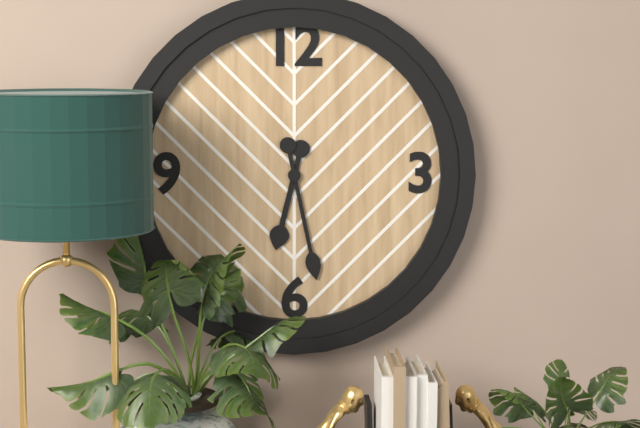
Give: 6:28
